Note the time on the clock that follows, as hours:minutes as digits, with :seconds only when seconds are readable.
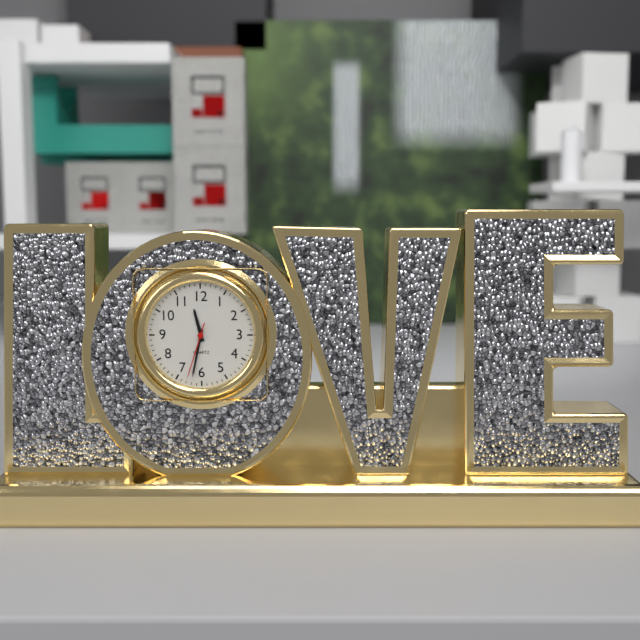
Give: 11:32:33
